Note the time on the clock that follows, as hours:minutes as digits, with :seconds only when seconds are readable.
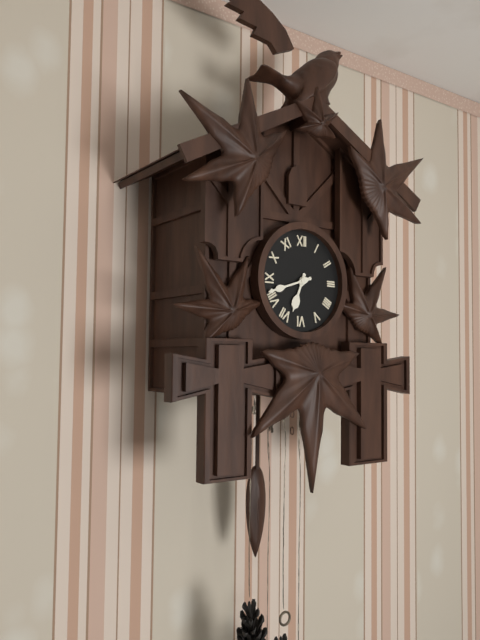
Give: 6:42
